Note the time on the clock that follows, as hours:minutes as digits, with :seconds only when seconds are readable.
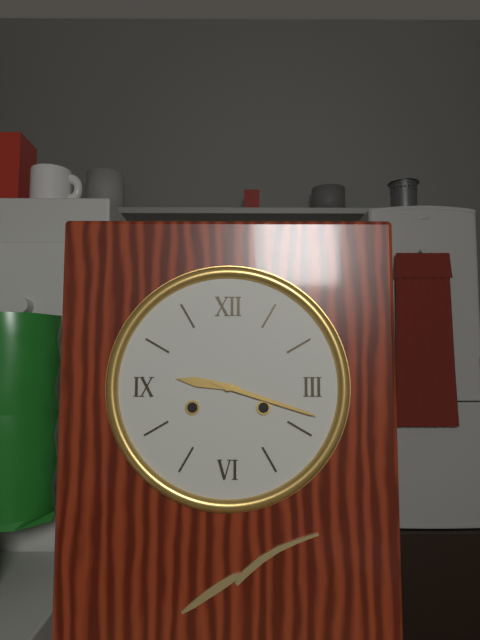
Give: 9:18
